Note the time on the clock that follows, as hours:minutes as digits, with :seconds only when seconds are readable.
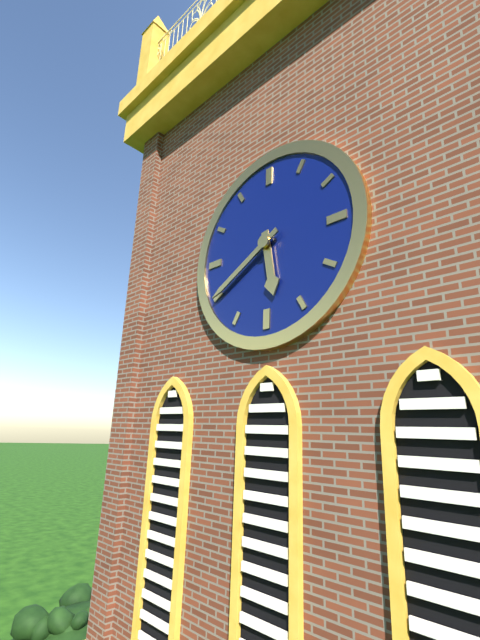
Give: 5:40
